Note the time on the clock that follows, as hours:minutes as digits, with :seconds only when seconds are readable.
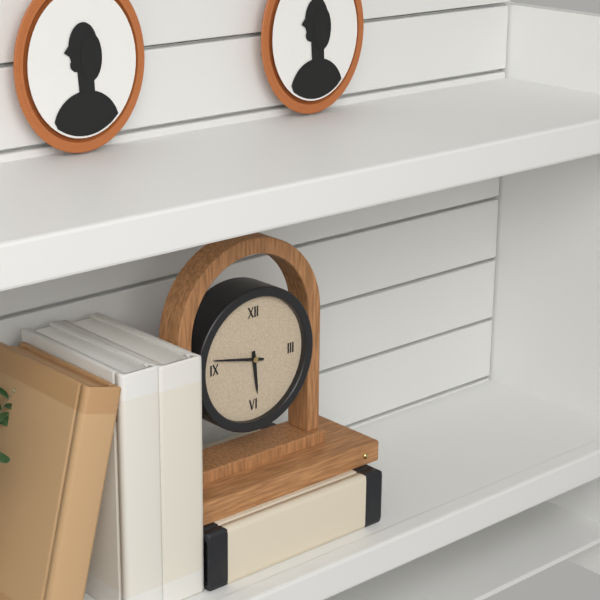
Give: 5:47
